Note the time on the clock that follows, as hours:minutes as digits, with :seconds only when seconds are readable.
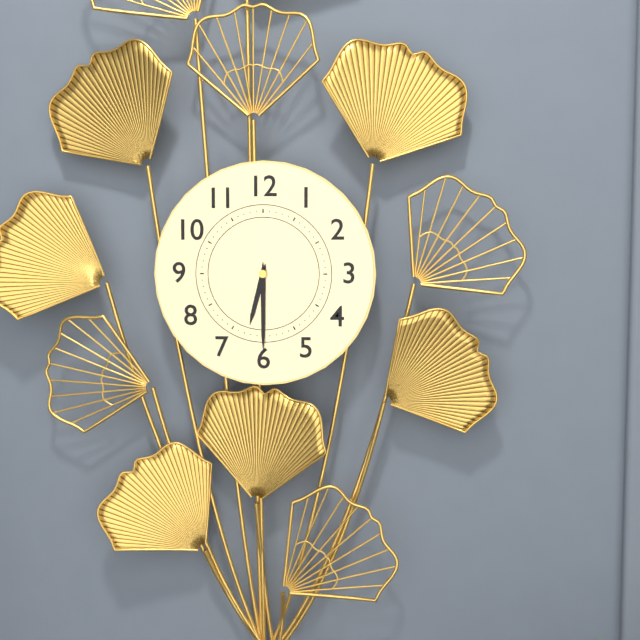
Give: 6:30
